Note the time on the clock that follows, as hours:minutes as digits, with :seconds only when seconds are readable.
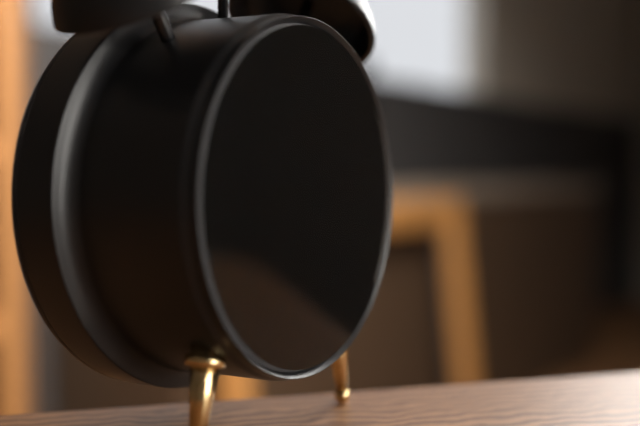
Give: 6:29
